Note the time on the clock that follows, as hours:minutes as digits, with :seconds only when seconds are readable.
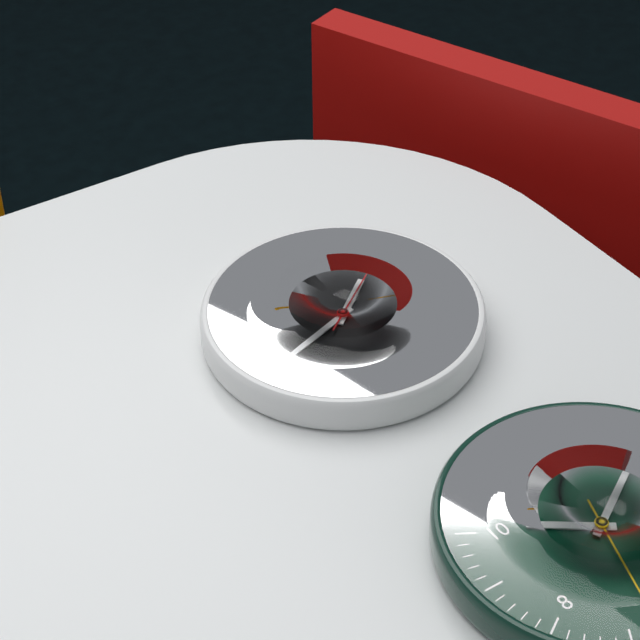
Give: 1:42:09
